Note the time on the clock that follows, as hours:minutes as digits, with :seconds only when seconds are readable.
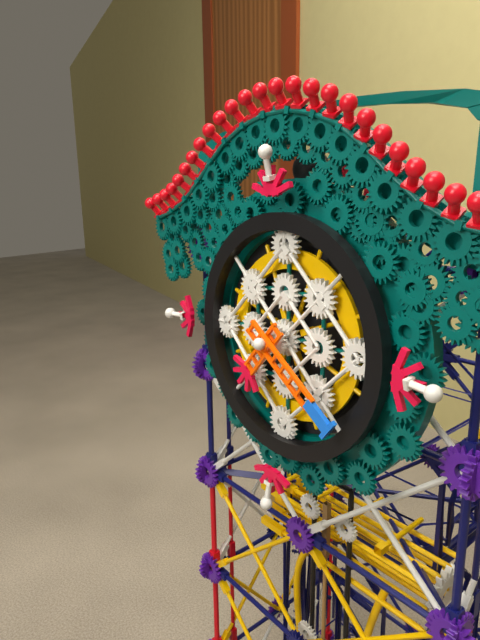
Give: 7:21
